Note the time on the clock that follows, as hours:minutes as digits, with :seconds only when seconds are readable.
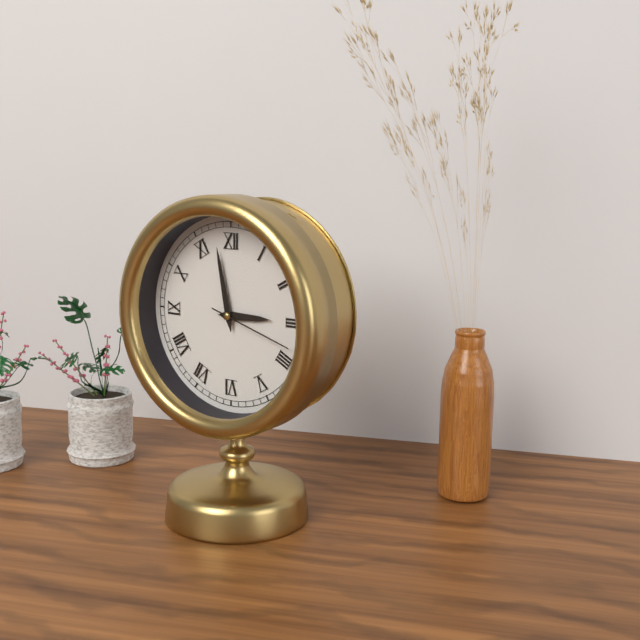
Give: 2:58:18
